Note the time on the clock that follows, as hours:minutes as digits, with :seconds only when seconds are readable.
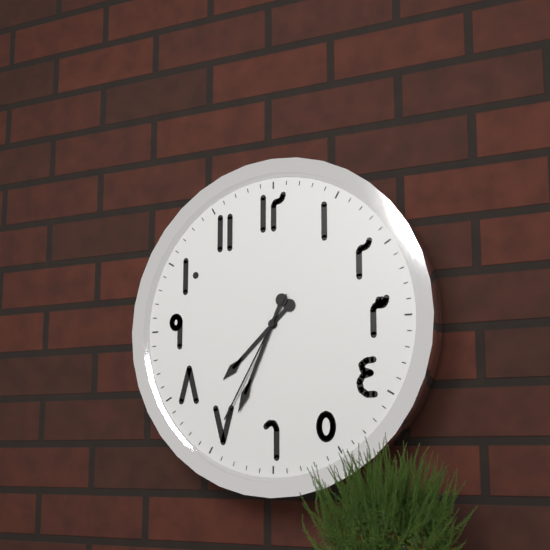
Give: 7:34:35
